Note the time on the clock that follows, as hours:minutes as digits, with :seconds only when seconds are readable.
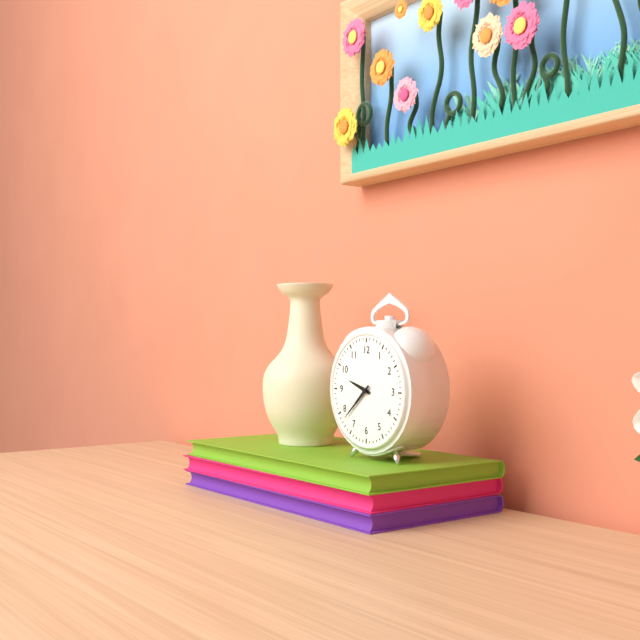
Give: 9:38
